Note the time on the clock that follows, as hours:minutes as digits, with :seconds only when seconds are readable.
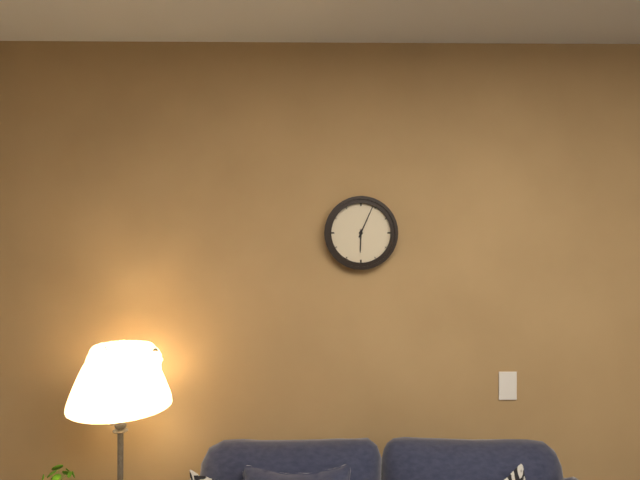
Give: 6:04
